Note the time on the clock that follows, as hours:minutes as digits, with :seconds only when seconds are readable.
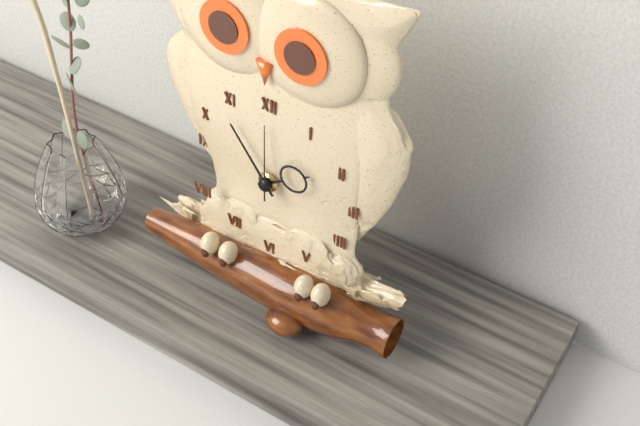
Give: 1:54:00
